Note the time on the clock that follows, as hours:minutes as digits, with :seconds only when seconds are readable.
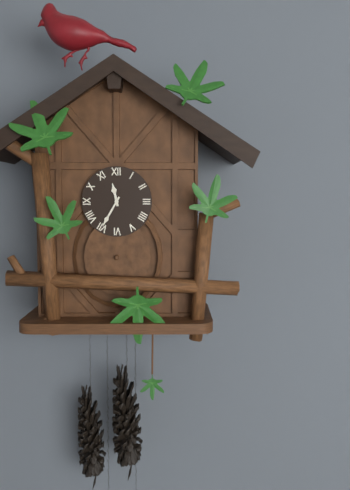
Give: 11:35
